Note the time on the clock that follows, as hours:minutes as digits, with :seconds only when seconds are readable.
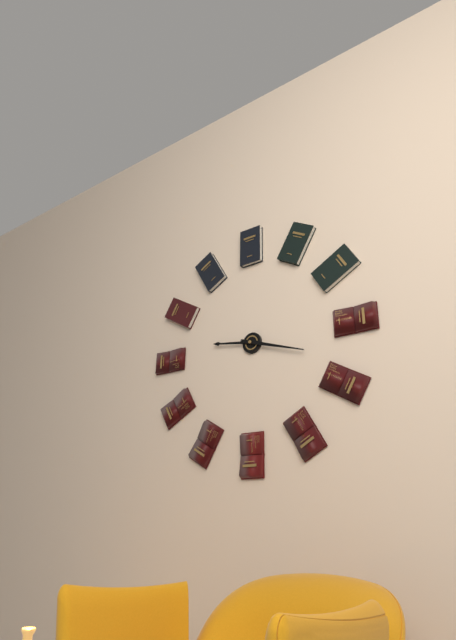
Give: 9:18
